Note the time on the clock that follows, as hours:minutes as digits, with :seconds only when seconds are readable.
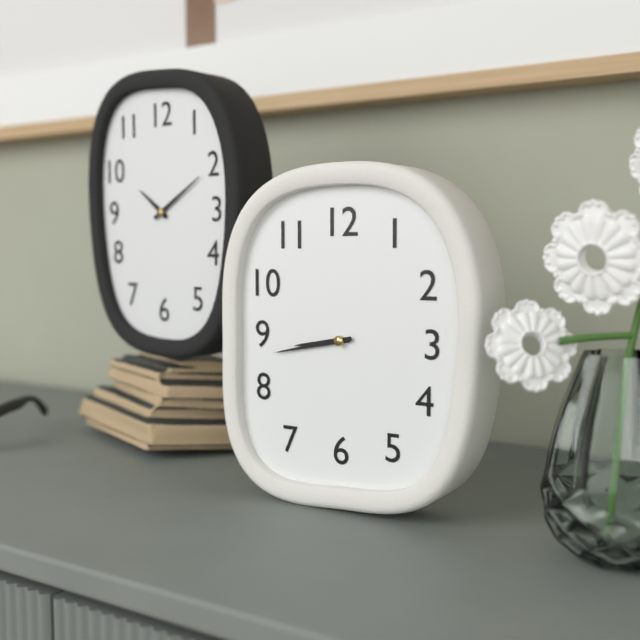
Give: 8:43
